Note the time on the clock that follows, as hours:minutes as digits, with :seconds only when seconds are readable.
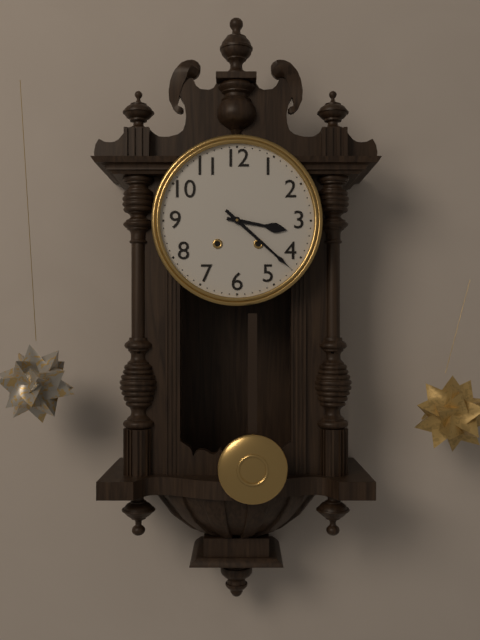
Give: 3:22
